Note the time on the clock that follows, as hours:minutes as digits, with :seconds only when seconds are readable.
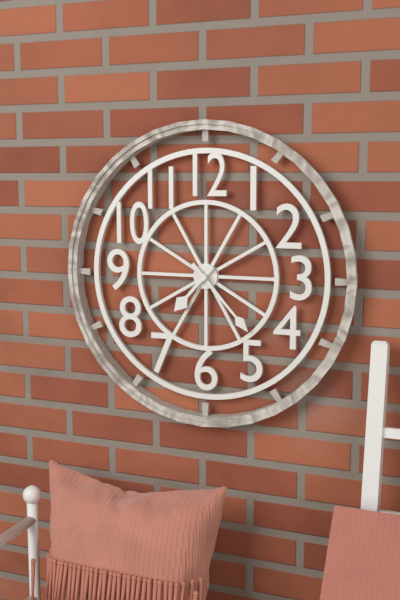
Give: 7:23
